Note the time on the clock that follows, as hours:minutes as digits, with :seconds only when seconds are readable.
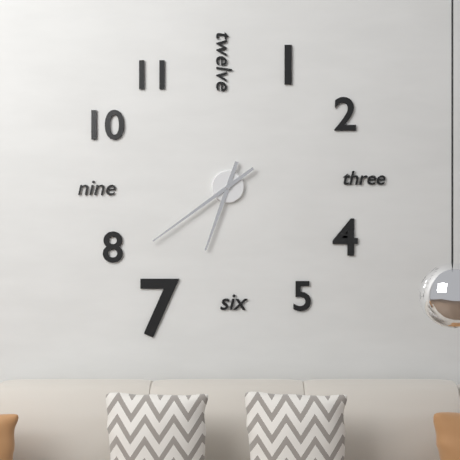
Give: 6:39
